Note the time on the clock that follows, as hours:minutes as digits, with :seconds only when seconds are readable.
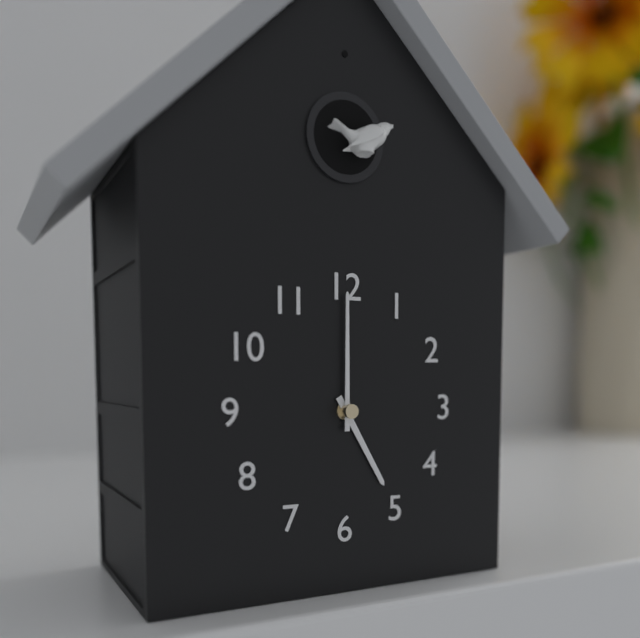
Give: 5:00
